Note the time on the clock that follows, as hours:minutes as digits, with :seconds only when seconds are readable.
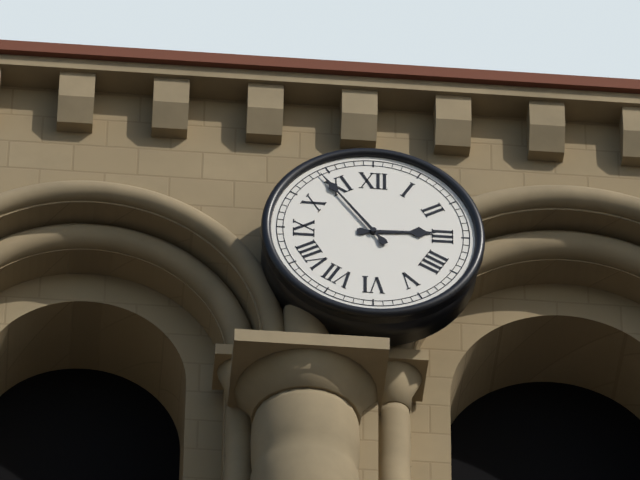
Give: 2:54
